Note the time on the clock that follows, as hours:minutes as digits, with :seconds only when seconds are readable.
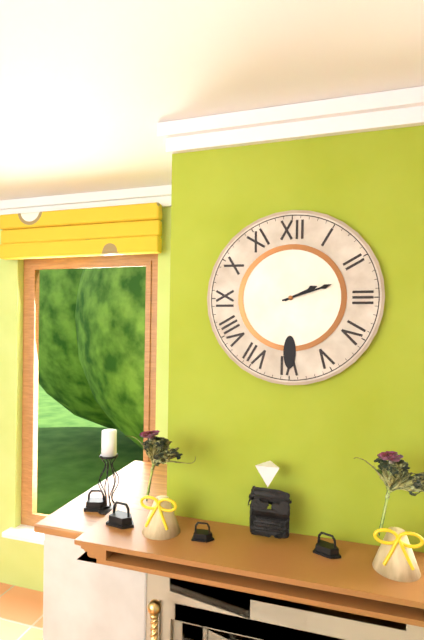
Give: 2:12
